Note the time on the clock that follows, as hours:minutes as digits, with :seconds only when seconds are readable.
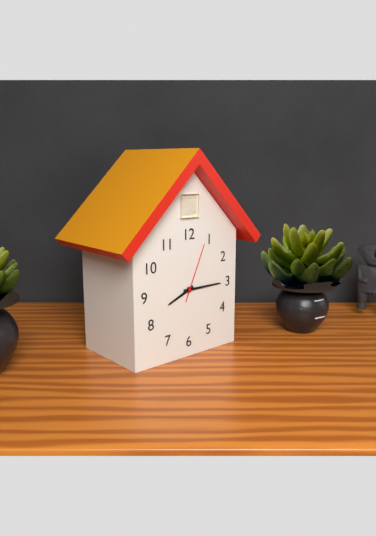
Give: 8:15:04
